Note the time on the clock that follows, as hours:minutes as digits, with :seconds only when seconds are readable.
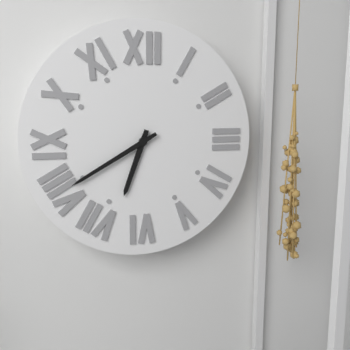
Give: 6:40
